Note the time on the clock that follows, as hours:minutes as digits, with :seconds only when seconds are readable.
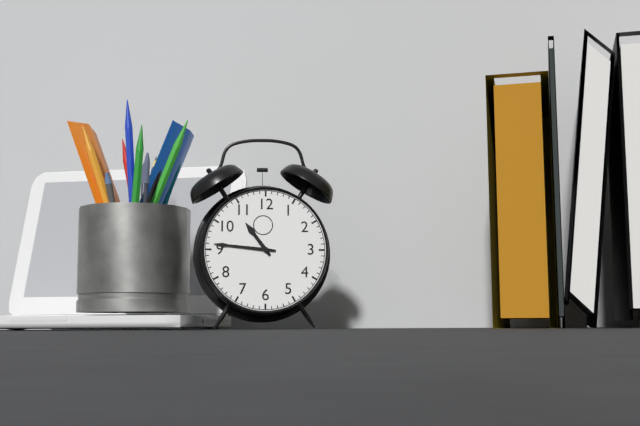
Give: 10:46
